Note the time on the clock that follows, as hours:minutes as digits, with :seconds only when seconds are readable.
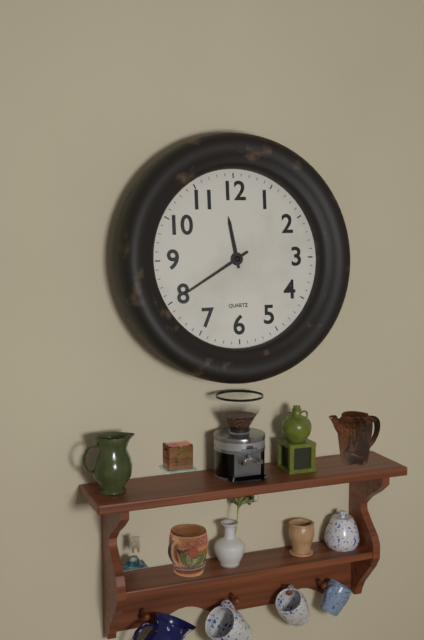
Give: 11:40
